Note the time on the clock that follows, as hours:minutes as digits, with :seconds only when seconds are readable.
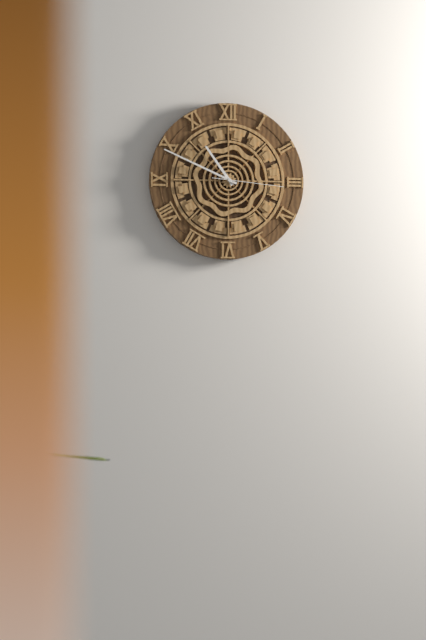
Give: 10:49:16
